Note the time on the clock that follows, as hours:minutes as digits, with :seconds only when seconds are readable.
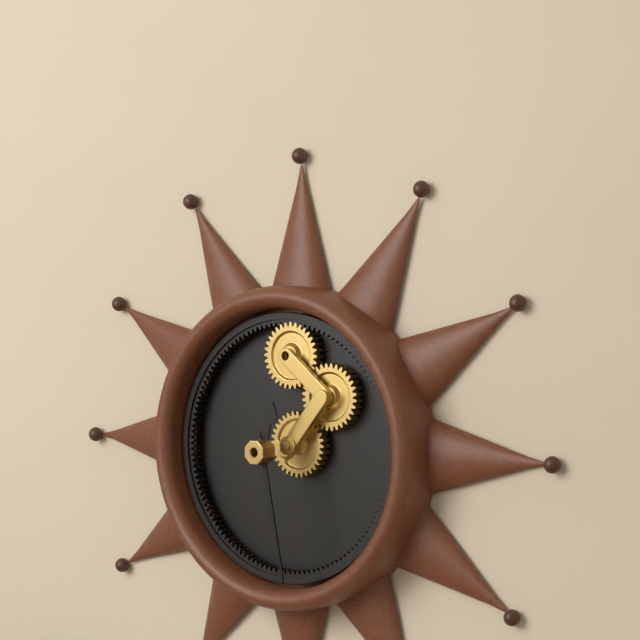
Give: 12:28
